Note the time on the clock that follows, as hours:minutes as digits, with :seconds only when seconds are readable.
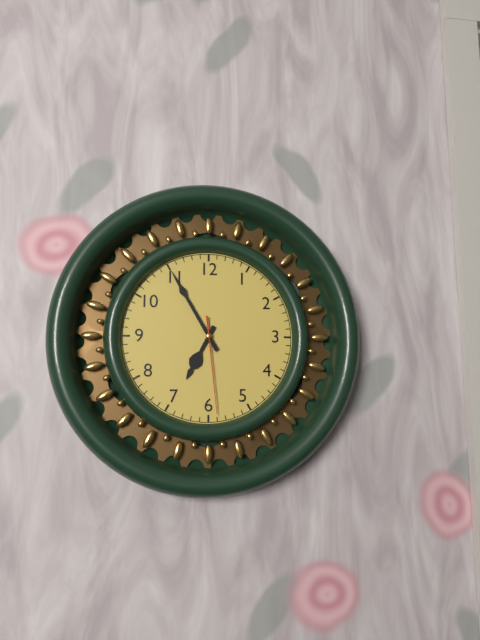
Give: 6:55:29
